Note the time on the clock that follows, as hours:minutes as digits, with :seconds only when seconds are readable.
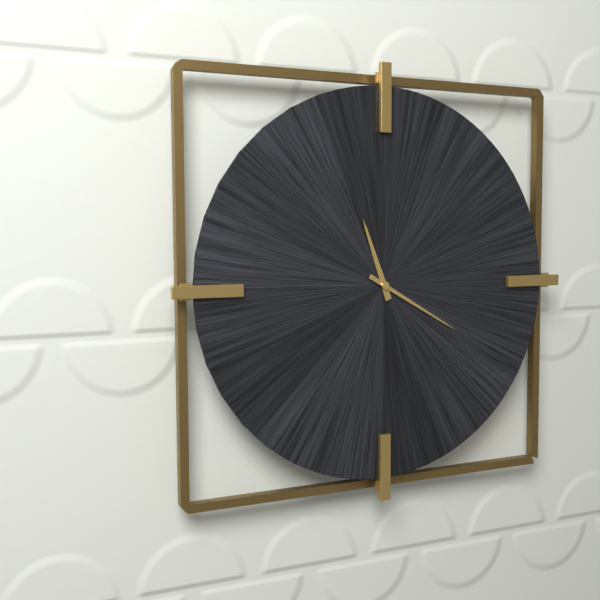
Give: 11:20
